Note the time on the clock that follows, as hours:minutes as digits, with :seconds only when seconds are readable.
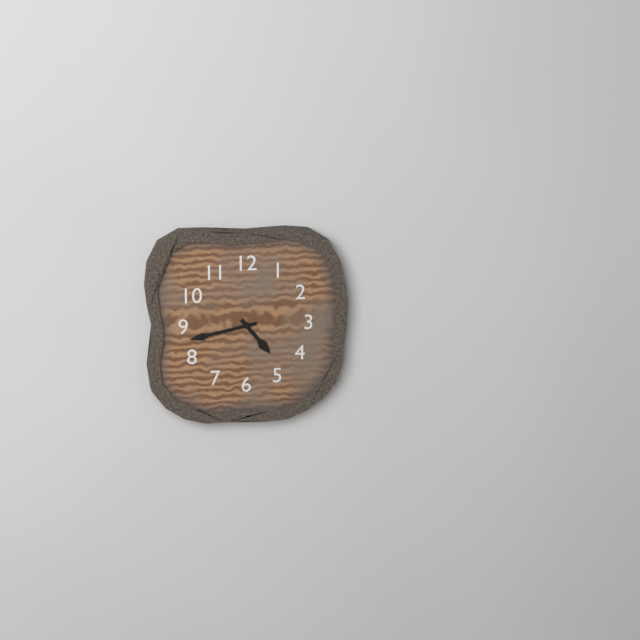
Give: 4:43
